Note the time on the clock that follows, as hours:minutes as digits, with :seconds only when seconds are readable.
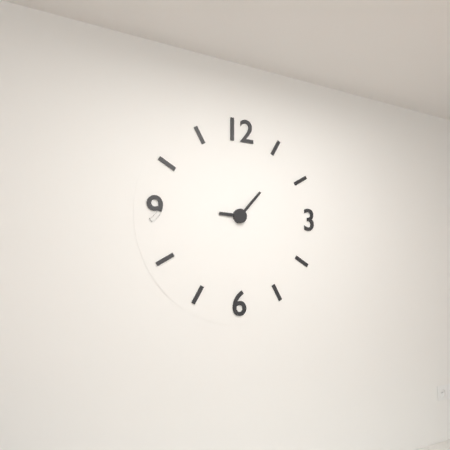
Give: 9:07
